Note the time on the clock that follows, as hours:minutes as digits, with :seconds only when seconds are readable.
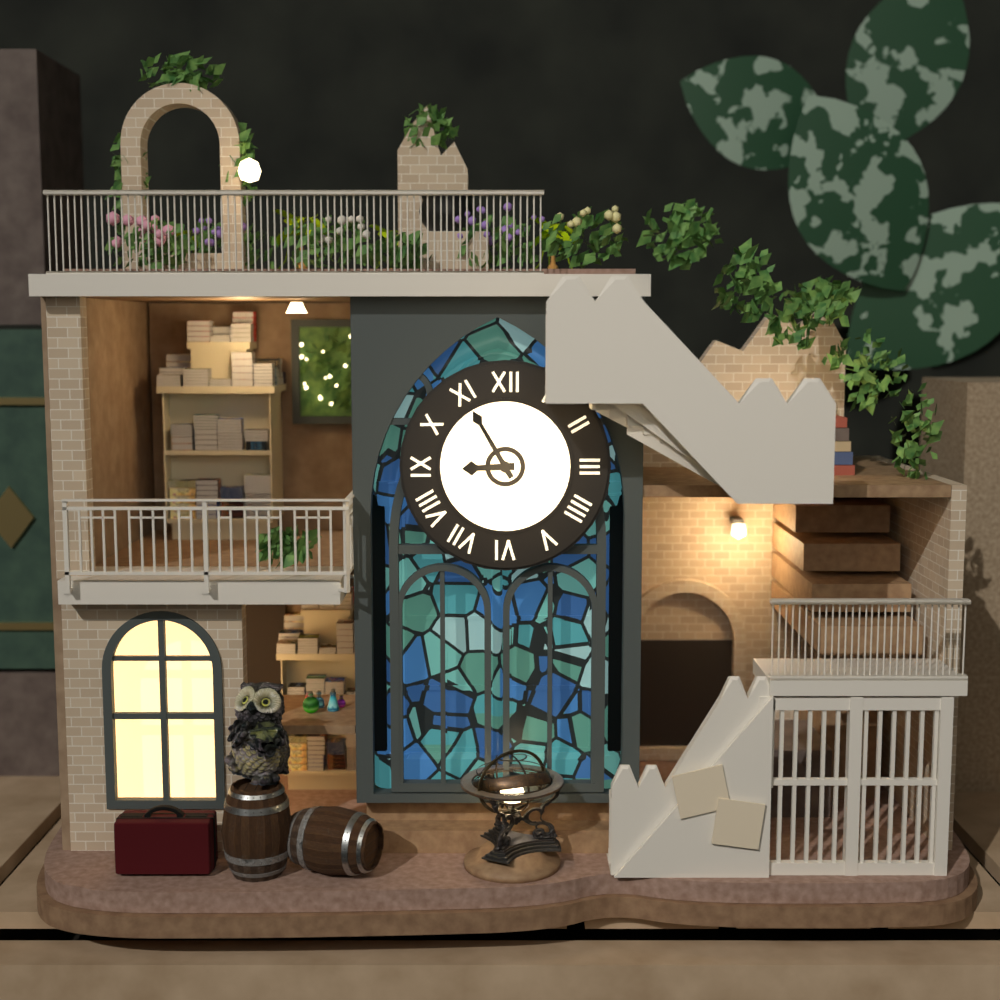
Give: 8:55
